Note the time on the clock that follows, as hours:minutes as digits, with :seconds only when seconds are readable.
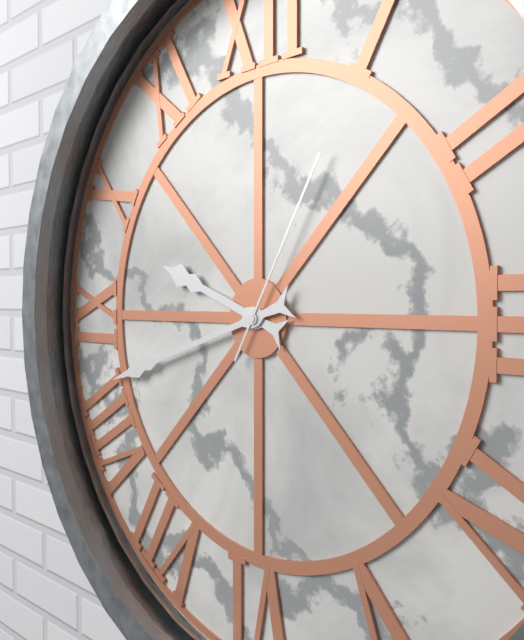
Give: 9:42:05
